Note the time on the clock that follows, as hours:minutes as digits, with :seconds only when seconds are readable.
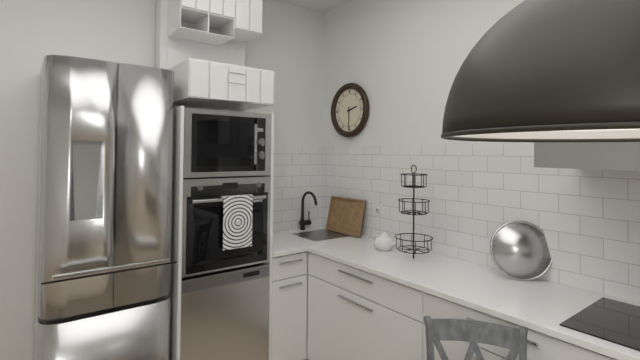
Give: 2:30
